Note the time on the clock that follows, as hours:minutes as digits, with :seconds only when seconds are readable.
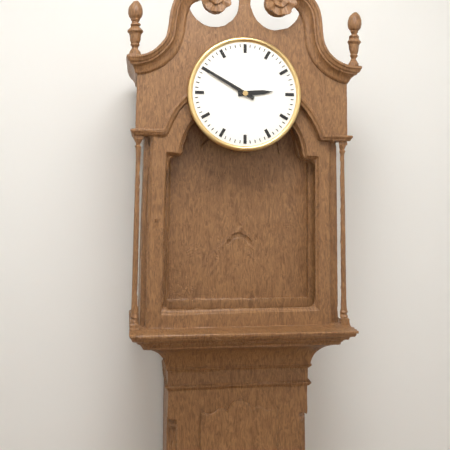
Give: 2:50
